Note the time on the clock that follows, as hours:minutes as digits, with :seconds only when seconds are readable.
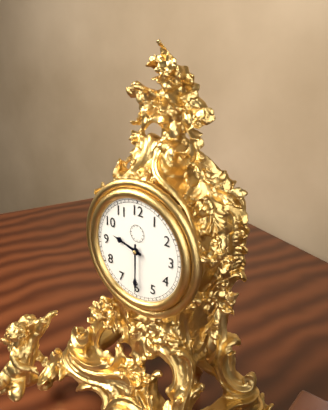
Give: 9:30
